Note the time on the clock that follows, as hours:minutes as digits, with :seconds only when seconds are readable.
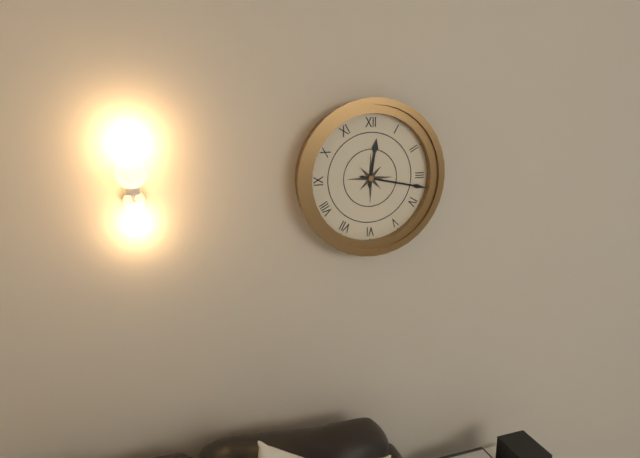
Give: 12:17
